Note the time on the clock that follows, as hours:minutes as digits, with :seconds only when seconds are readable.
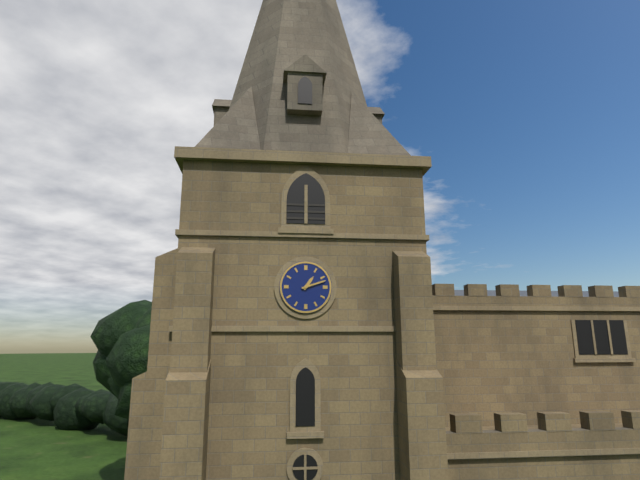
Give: 1:12
